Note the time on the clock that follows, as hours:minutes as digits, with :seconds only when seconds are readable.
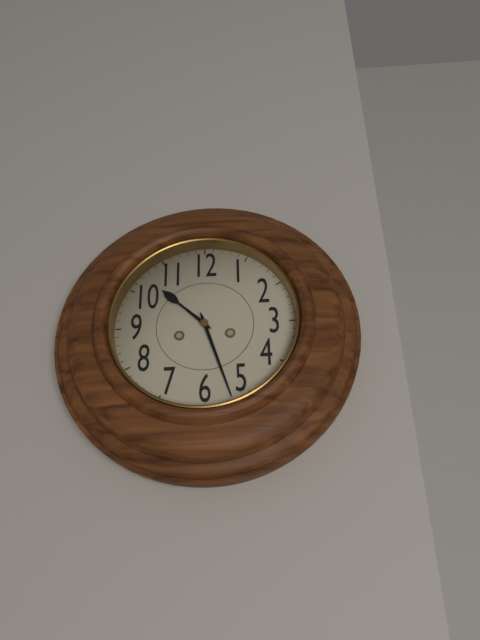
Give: 10:27
